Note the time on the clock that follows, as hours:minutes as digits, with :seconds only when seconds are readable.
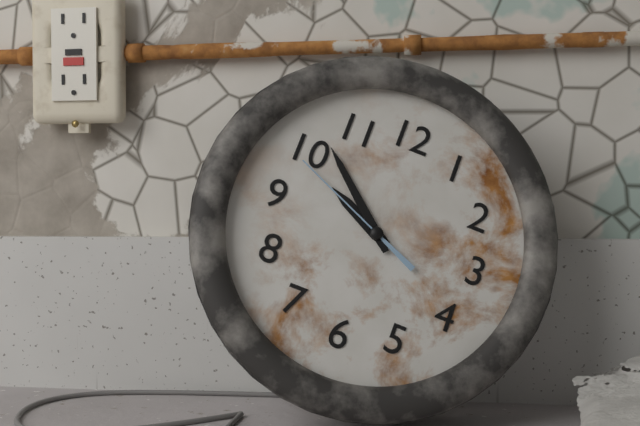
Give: 9:52:49
